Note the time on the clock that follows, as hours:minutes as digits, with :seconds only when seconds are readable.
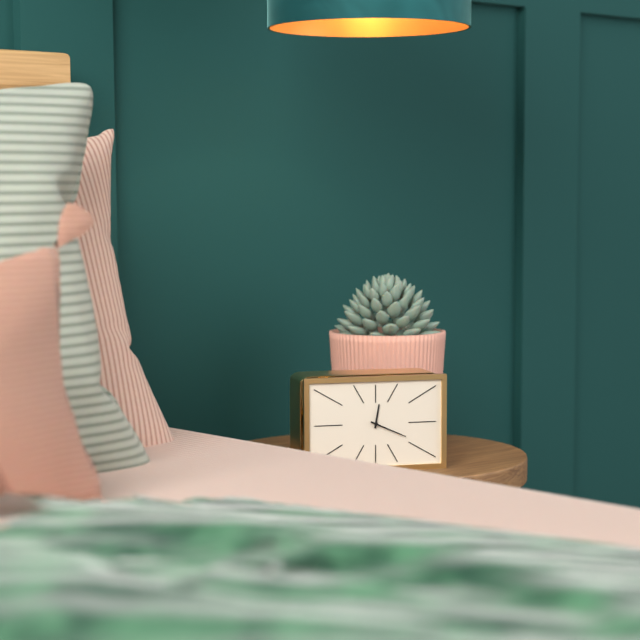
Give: 12:19
